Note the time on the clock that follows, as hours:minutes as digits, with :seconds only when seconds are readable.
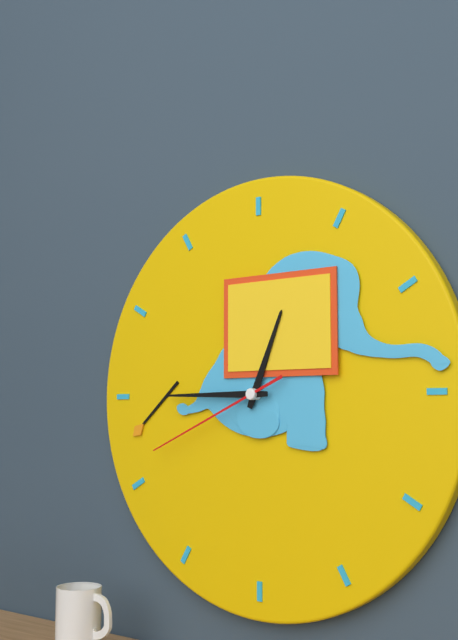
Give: 12:45:41
